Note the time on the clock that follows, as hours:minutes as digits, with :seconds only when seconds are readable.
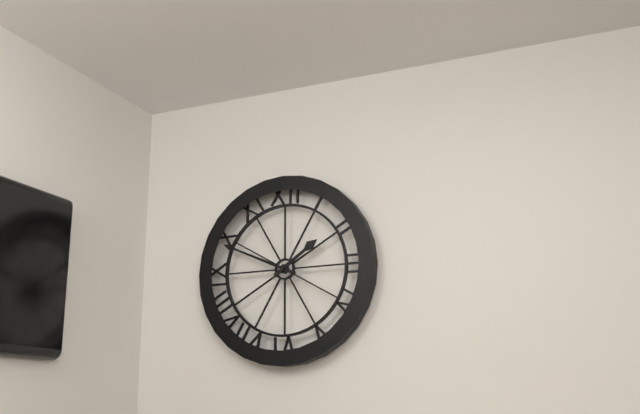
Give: 1:49
